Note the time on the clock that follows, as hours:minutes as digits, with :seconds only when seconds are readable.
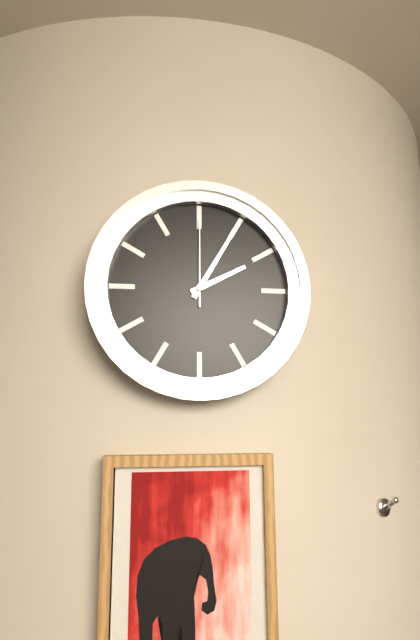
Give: 2:05:00
